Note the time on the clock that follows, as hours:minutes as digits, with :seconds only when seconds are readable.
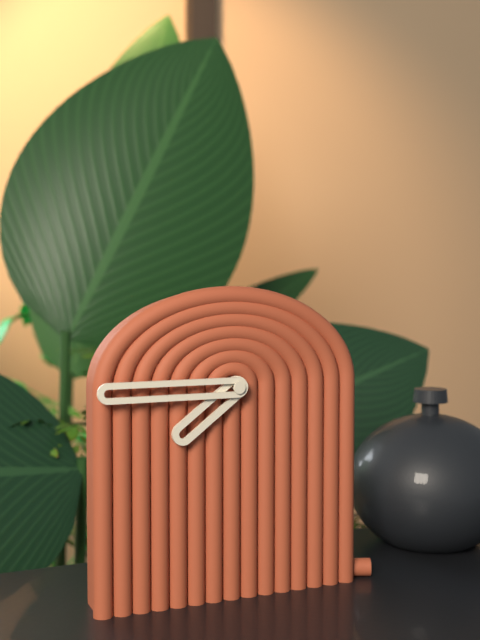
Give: 7:45
